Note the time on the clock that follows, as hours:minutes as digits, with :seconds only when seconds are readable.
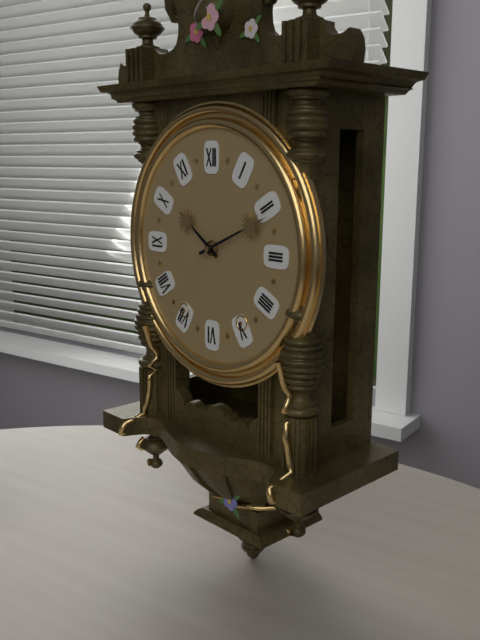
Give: 10:11
